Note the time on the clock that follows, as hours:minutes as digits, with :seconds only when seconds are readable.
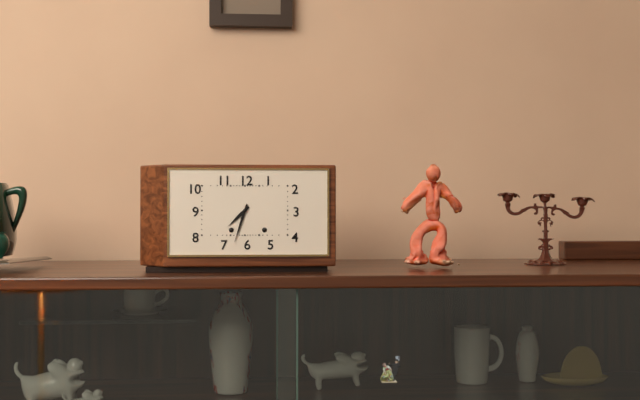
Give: 7:33
